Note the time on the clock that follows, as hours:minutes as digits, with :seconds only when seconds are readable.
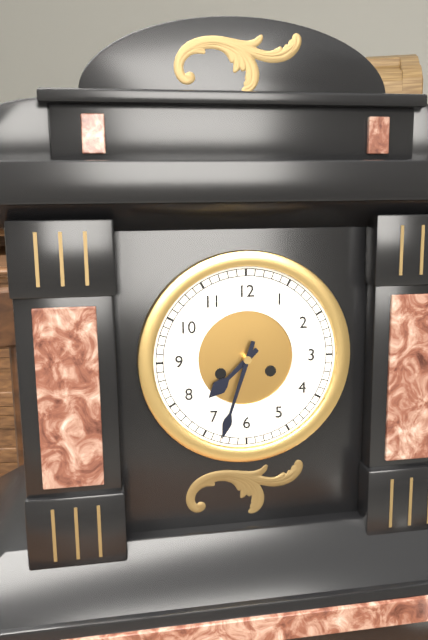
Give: 7:33
